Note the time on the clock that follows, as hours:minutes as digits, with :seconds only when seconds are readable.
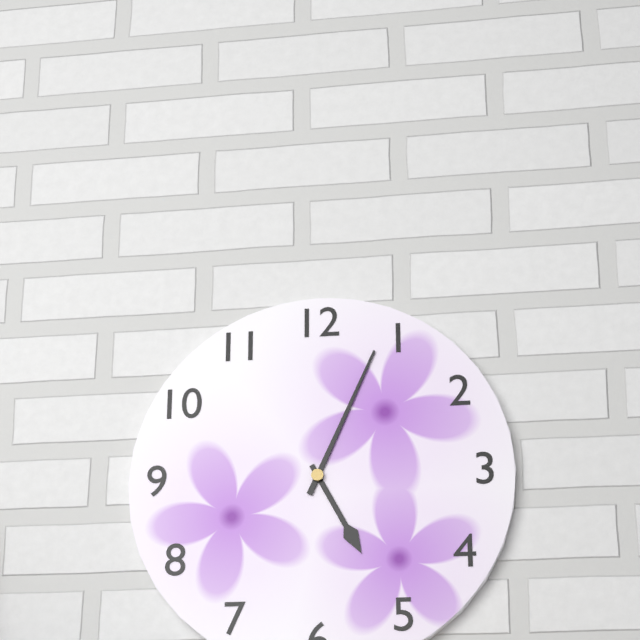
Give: 5:04
